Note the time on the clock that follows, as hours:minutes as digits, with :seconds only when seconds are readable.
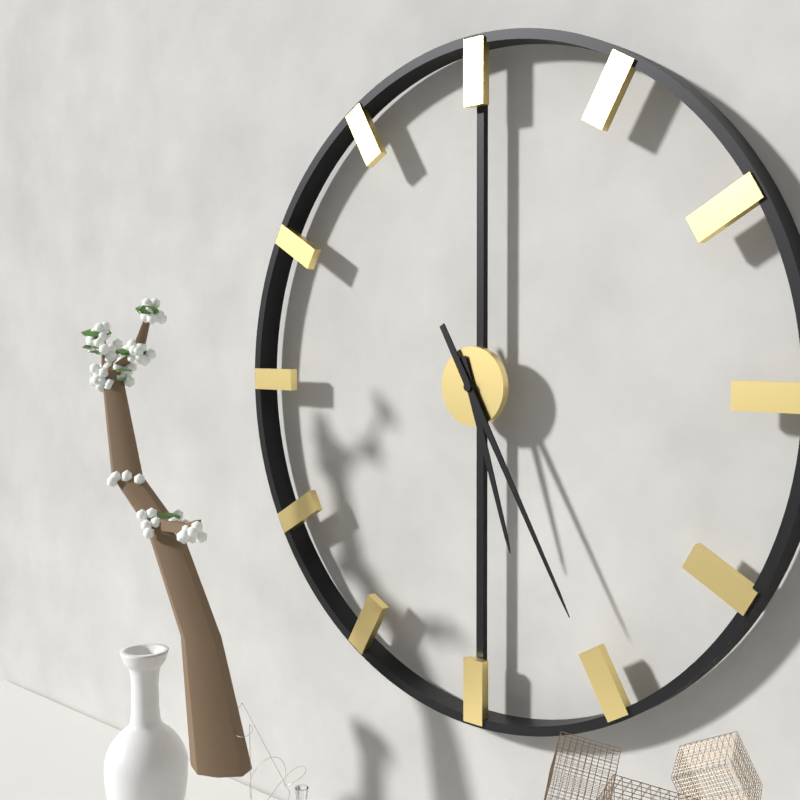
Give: 5:25
